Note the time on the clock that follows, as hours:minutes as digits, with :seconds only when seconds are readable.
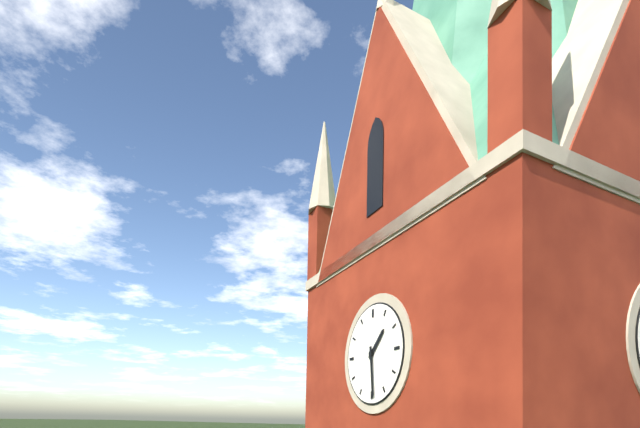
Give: 1:29
